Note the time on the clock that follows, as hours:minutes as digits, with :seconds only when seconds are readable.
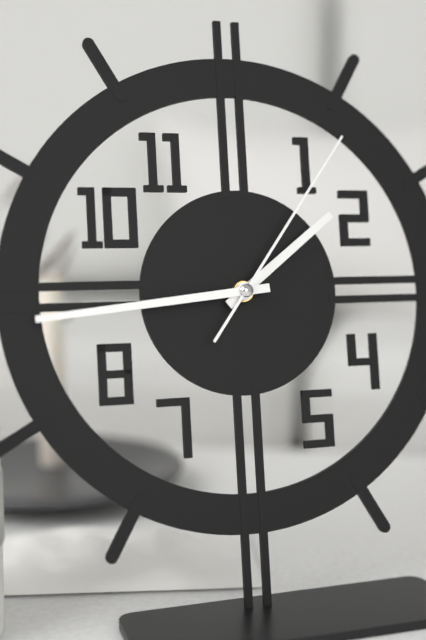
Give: 1:44:06
